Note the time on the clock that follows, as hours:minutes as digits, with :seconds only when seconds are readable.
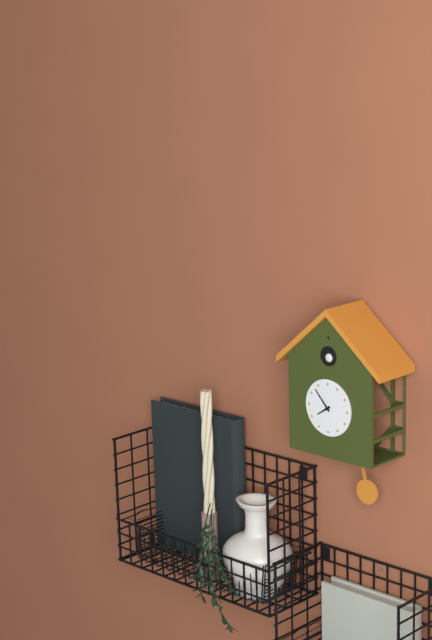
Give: 7:53
